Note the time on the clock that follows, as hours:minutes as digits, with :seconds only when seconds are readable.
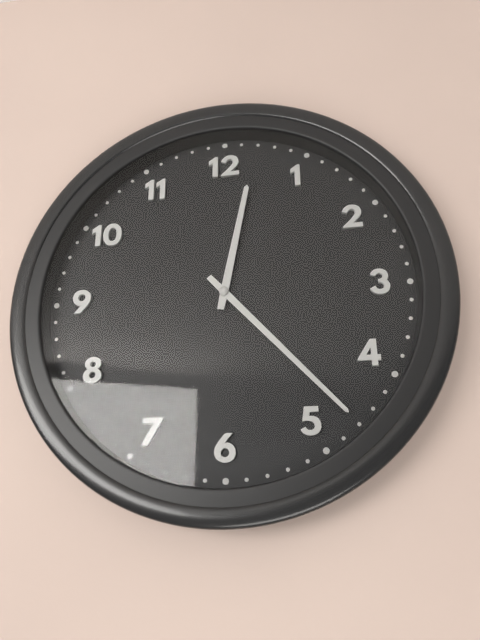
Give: 12:23
